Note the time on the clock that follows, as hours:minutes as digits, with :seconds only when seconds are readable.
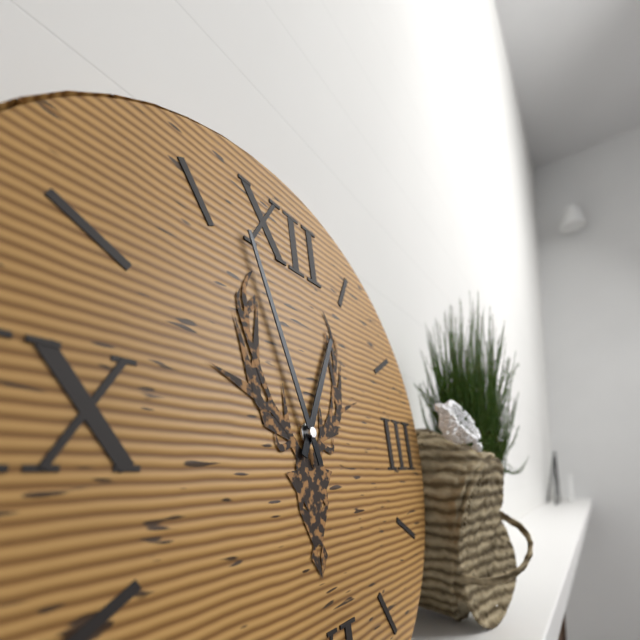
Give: 12:57
